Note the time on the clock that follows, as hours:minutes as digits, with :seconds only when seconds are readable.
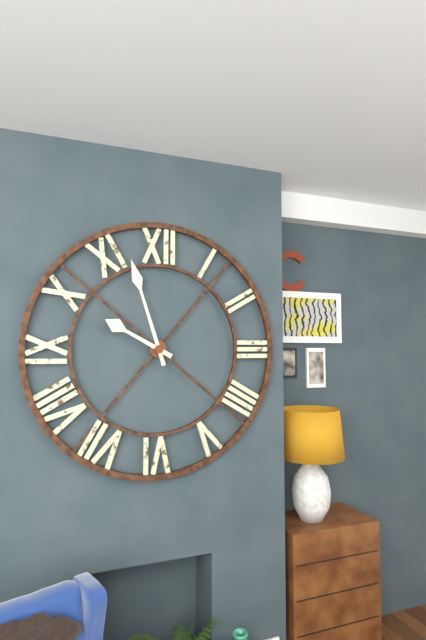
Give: 9:57
